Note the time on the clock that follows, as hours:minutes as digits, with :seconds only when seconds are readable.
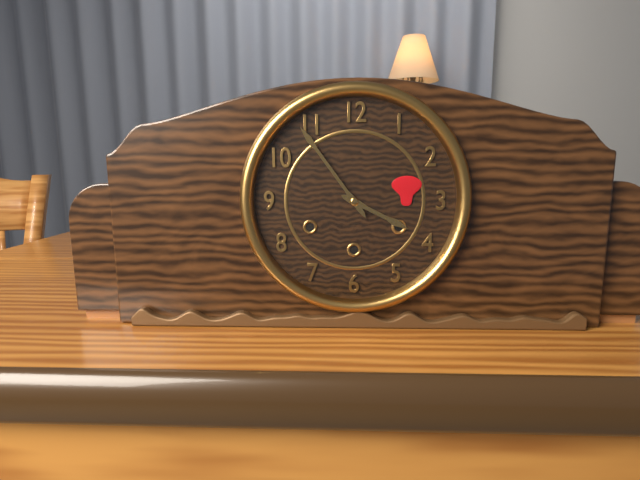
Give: 3:54
